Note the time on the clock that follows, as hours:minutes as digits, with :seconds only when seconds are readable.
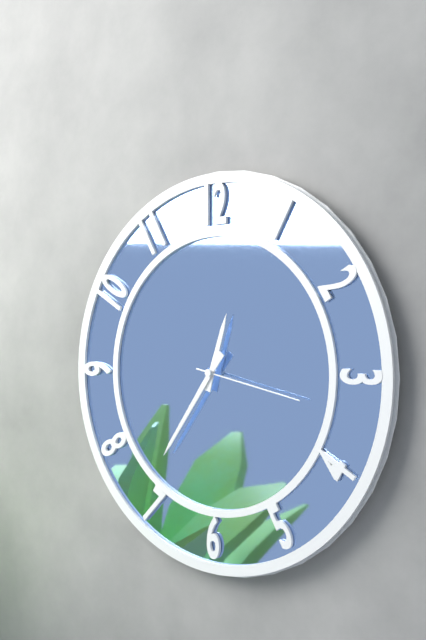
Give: 12:36:17
